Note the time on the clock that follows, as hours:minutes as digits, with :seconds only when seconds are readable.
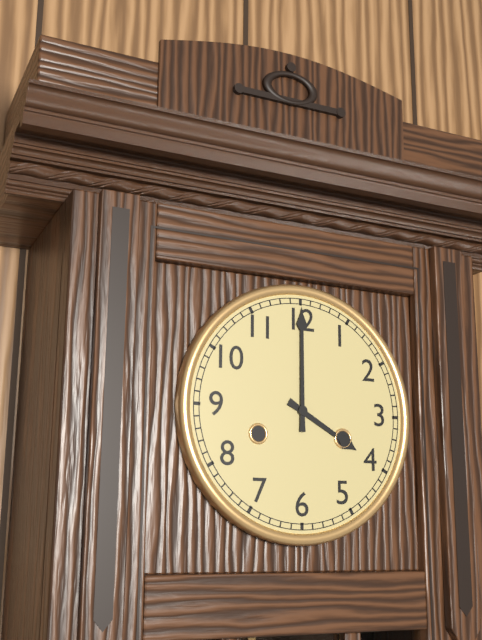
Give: 4:00
